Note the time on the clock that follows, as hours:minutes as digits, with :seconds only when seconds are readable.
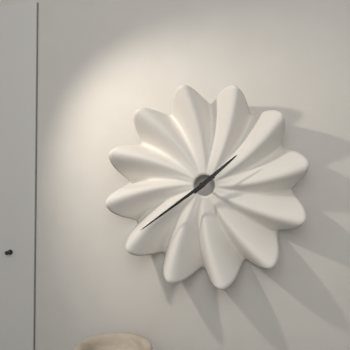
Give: 1:39
